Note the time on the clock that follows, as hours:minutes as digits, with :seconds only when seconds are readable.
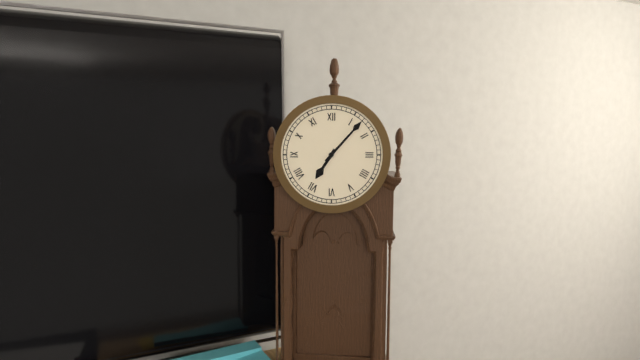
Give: 7:07
